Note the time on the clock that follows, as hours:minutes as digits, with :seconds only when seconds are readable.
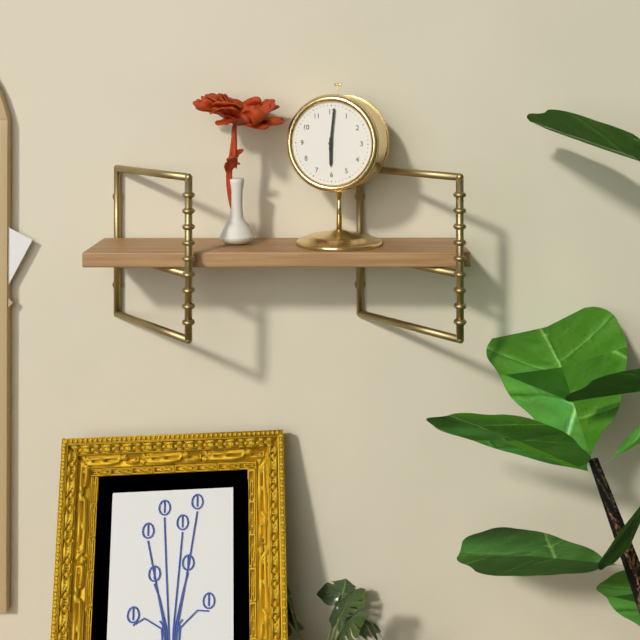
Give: 6:01
